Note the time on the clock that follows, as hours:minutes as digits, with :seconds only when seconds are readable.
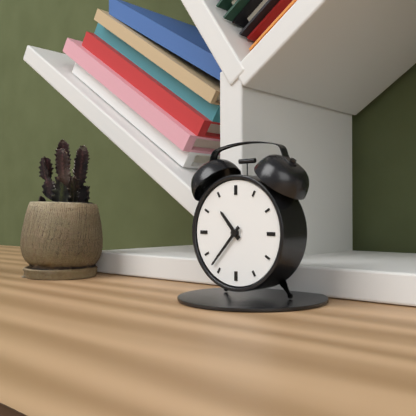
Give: 10:37
